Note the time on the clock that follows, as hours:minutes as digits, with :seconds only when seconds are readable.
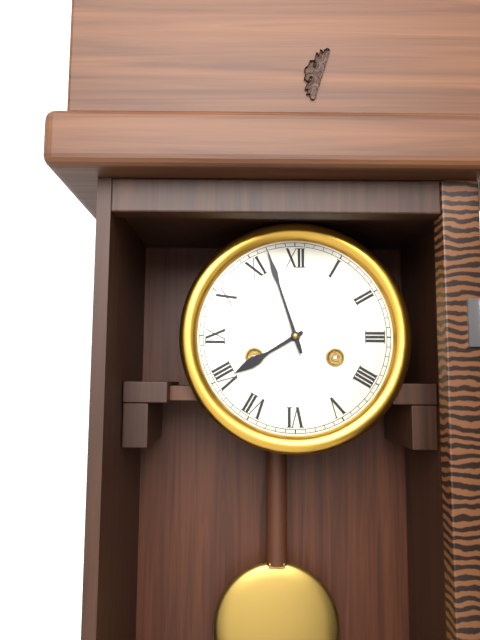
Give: 7:57
